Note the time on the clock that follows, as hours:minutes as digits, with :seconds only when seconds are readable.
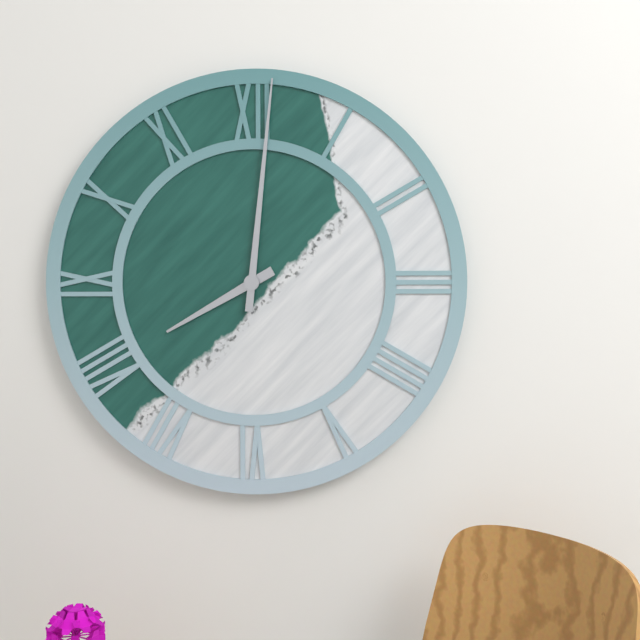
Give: 8:01
